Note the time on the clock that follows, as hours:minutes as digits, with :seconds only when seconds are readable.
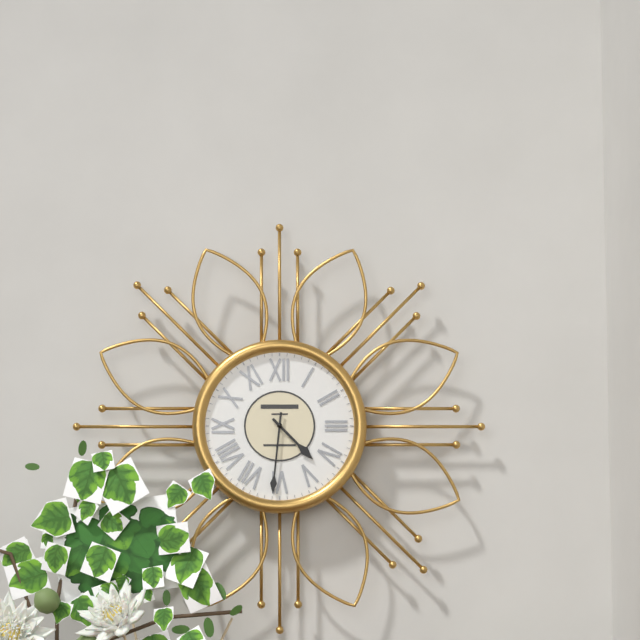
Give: 4:31
